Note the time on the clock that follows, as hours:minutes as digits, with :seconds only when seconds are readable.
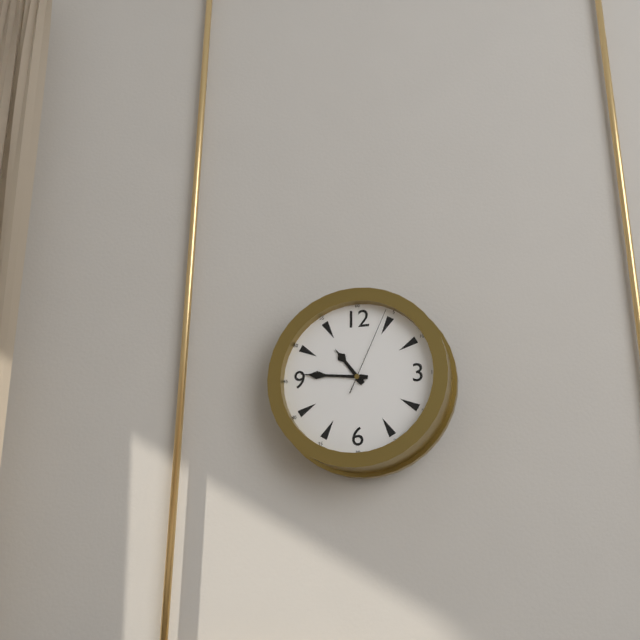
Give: 10:46:04
